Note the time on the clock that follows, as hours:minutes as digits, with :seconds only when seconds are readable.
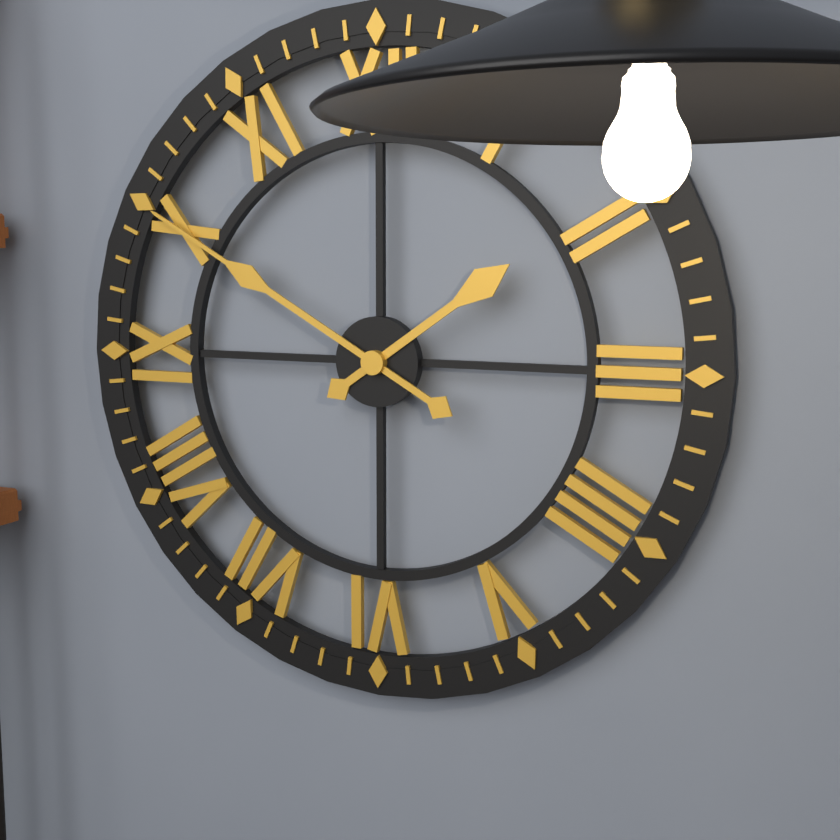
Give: 1:50
